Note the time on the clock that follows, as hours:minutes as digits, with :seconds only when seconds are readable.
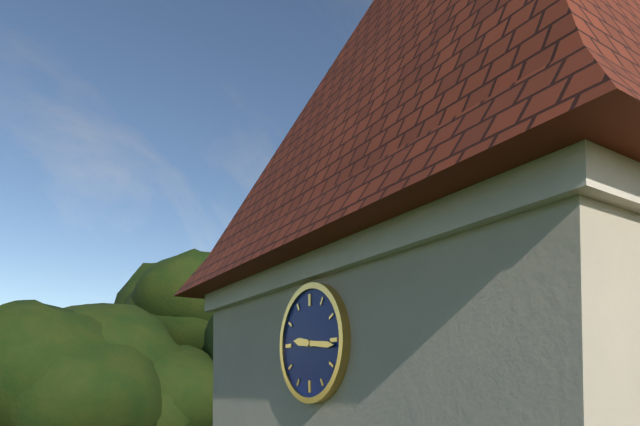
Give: 9:16
